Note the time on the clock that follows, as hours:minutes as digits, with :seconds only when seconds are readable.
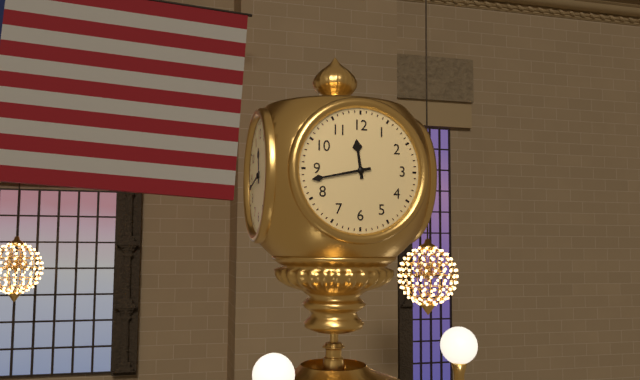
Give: 11:43
